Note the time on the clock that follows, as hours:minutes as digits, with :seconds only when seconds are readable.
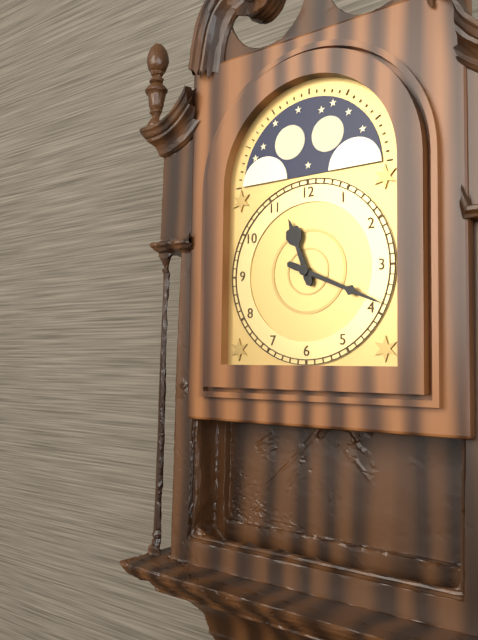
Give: 11:19
